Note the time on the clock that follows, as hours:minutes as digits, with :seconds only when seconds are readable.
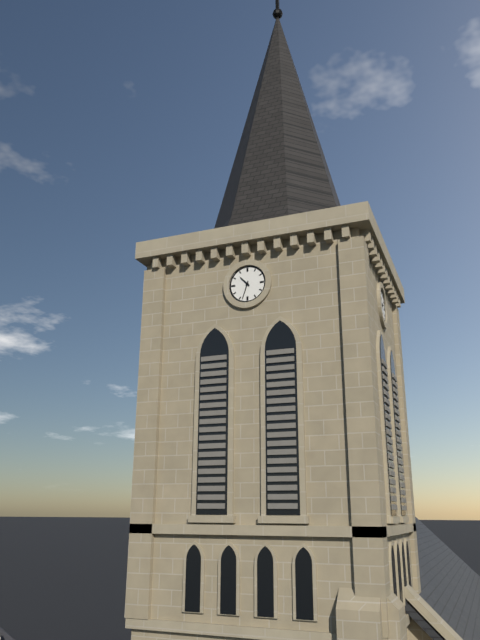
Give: 10:33
